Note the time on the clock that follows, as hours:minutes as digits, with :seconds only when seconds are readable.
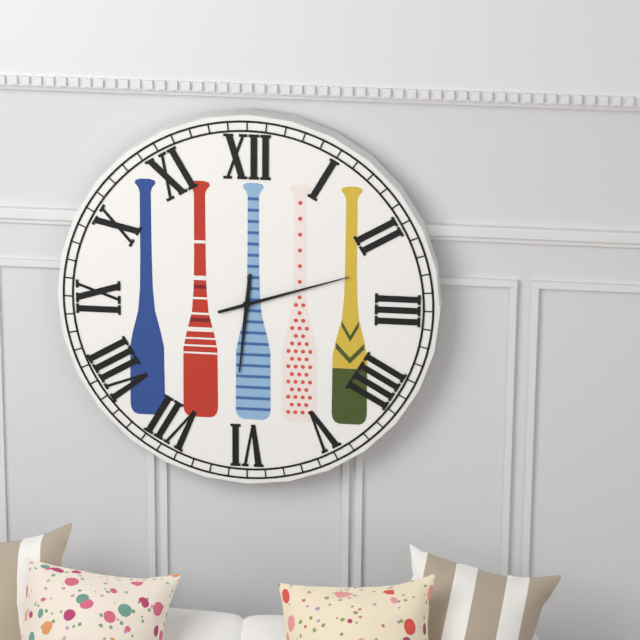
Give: 6:12
